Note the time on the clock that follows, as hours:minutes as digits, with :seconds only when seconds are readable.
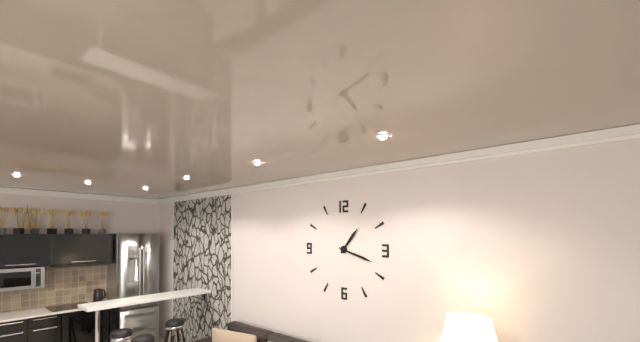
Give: 1:18
